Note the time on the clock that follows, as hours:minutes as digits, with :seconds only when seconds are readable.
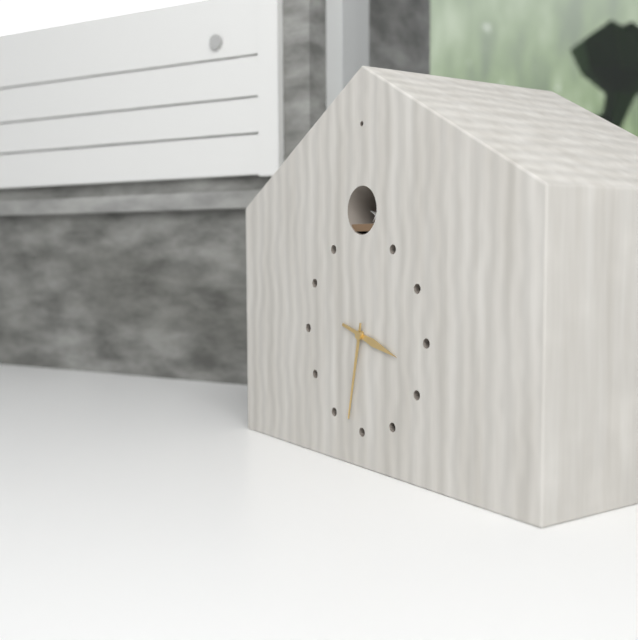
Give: 3:32
